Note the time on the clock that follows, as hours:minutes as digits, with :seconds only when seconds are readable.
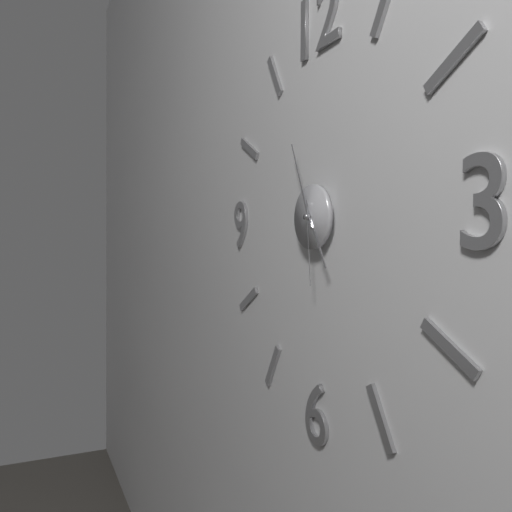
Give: 4:56:29
